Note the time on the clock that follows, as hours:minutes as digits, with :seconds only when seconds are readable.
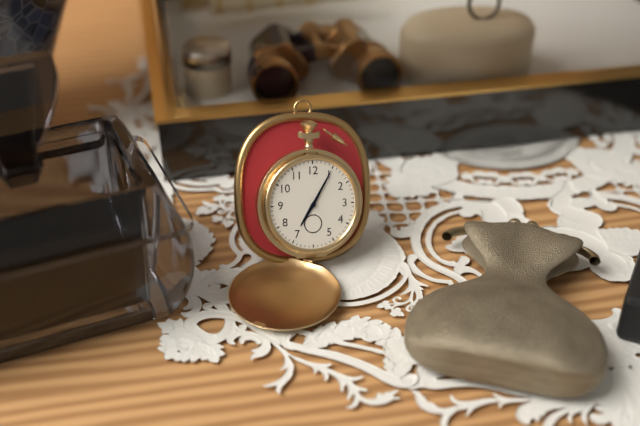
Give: 7:05
